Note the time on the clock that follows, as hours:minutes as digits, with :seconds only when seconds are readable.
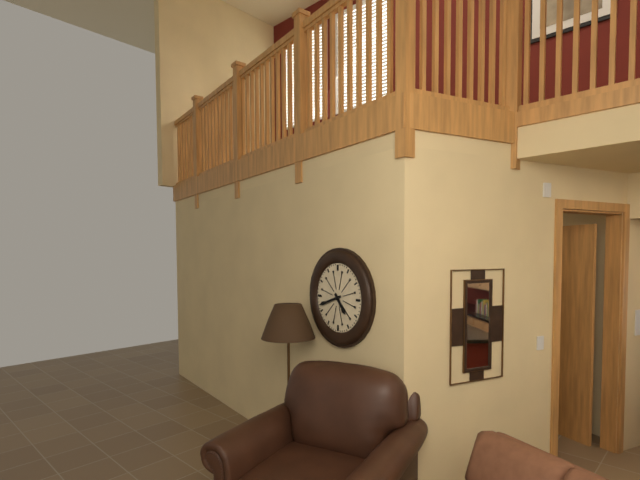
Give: 4:42
